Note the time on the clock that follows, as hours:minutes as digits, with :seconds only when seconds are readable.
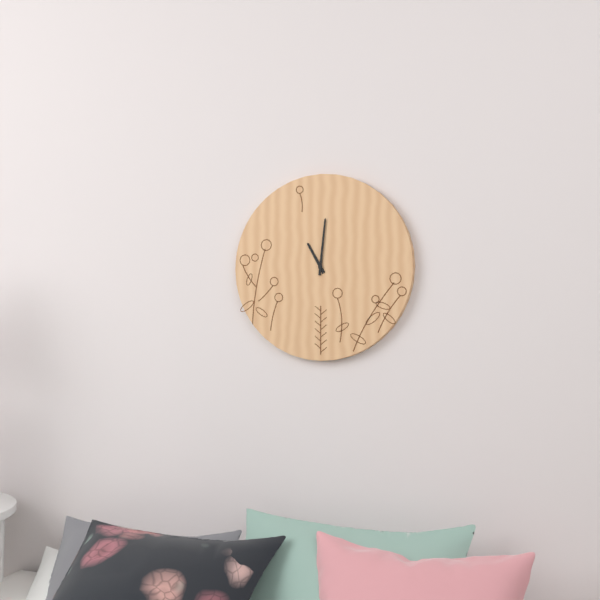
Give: 11:01
